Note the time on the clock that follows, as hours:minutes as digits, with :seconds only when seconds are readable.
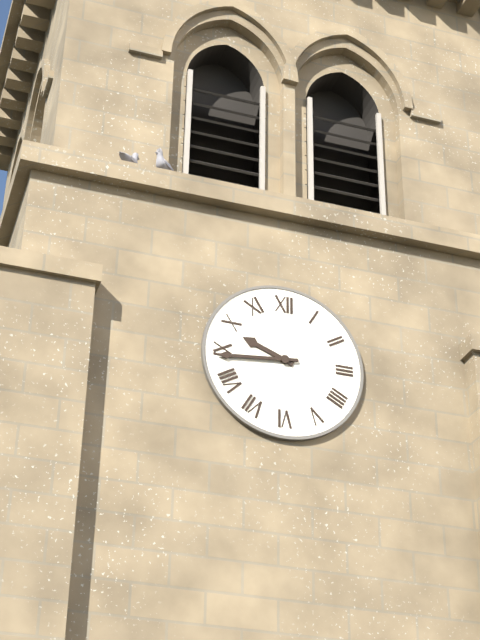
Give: 9:44
